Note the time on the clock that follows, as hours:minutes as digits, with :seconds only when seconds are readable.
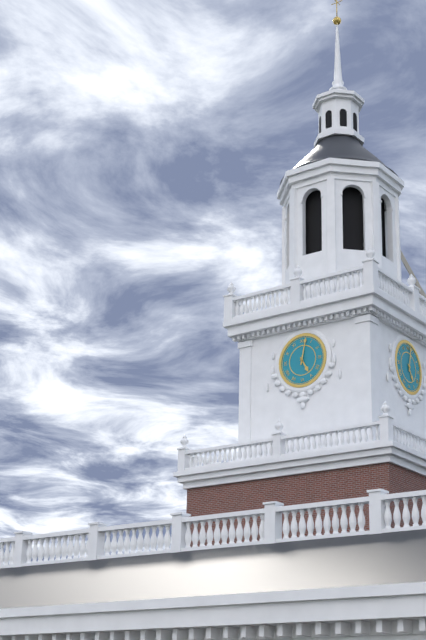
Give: 5:02
